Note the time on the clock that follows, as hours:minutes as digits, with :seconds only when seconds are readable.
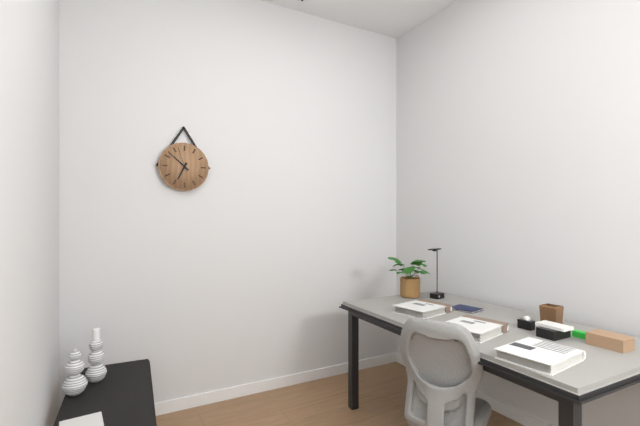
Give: 6:52
